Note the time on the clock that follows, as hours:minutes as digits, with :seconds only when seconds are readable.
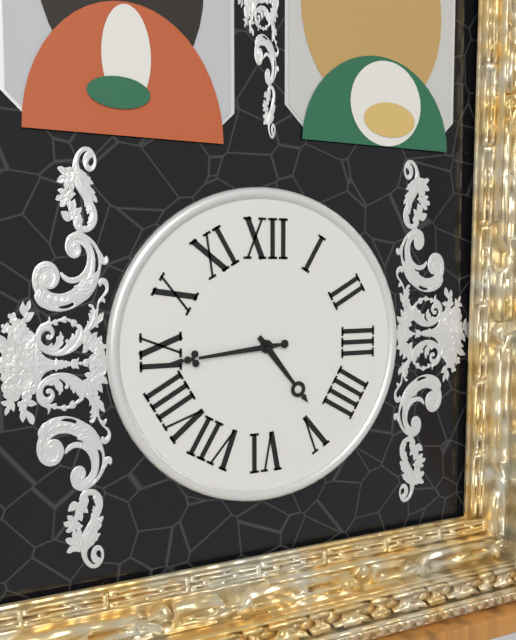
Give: 4:44
